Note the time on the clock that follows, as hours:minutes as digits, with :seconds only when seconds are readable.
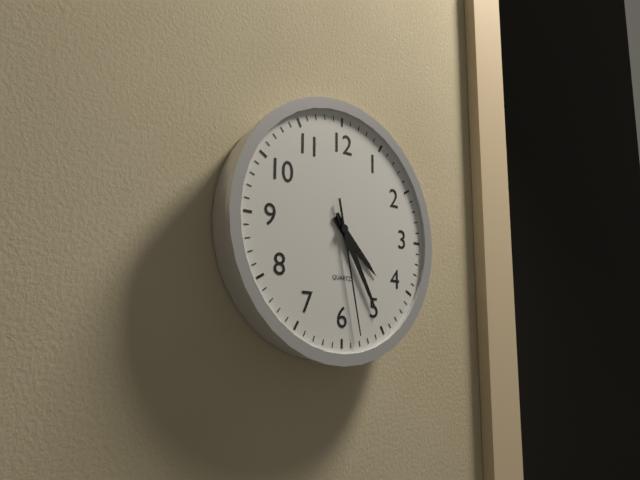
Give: 4:25:28
